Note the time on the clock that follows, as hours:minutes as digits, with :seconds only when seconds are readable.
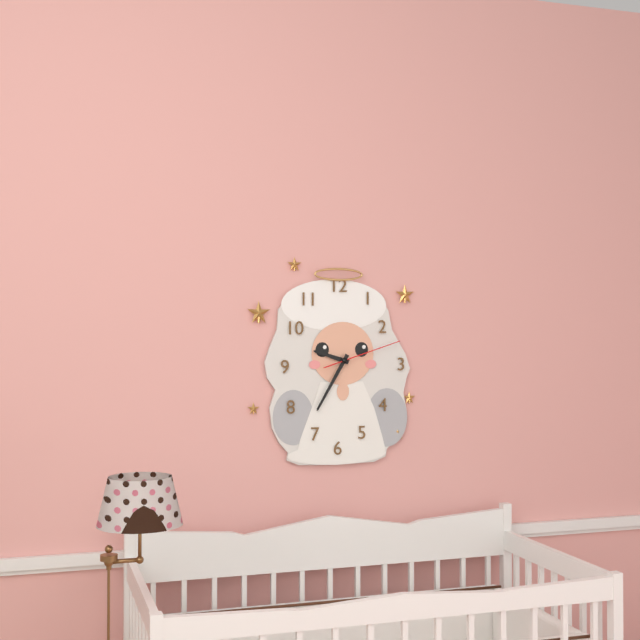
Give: 9:35:12
